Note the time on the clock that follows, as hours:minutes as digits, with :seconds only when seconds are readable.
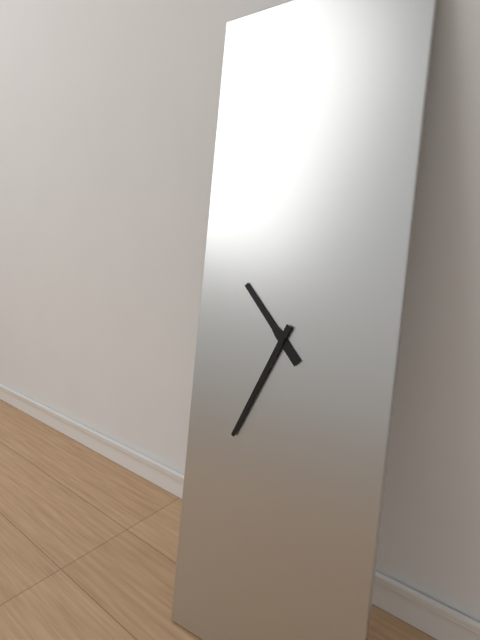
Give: 10:34
